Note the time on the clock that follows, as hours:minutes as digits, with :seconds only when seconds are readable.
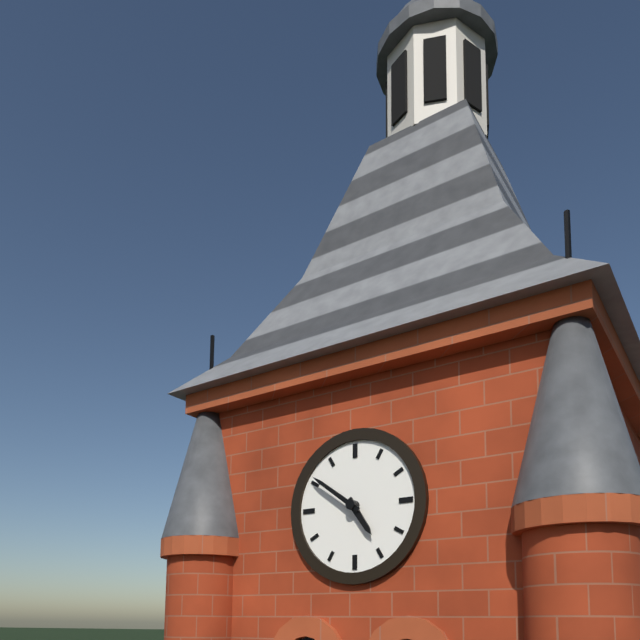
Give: 4:51
